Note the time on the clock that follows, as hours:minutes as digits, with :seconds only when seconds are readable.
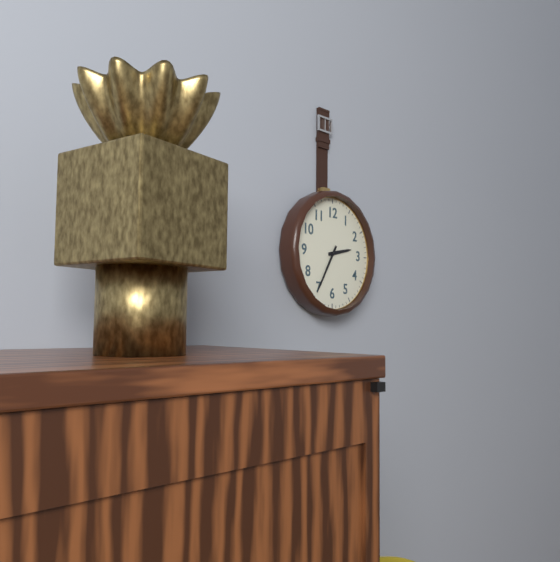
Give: 2:35
